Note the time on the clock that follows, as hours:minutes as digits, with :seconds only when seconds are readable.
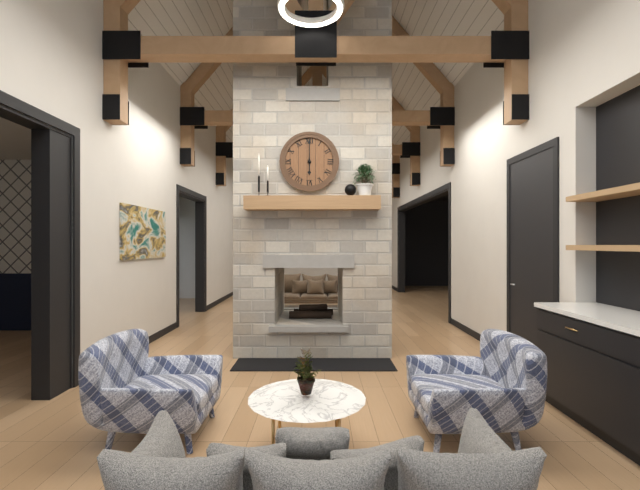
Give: 6:00
